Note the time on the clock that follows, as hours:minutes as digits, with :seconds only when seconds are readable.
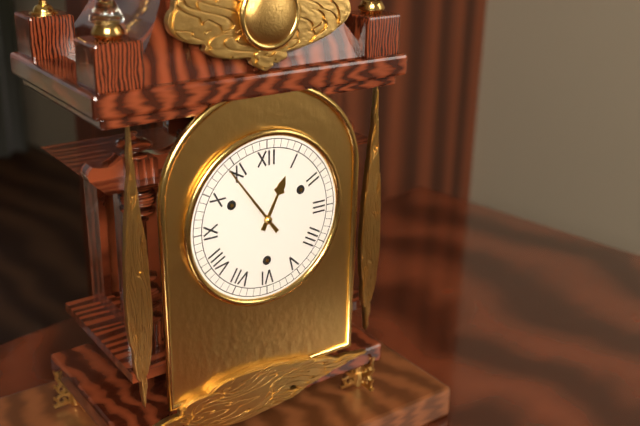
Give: 12:54
